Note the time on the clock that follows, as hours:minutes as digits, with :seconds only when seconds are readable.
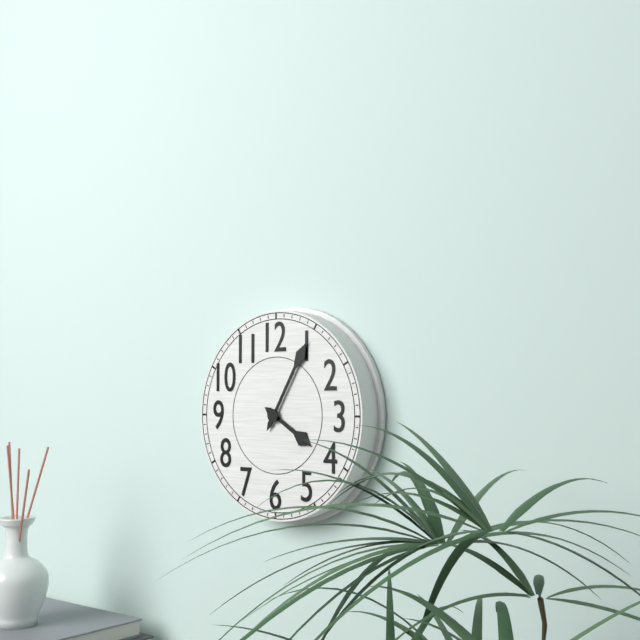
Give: 4:05
